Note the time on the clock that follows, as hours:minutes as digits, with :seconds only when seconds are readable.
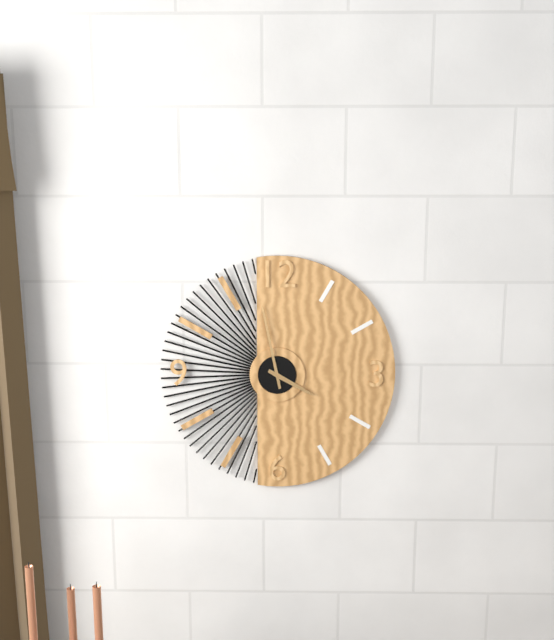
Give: 3:58
